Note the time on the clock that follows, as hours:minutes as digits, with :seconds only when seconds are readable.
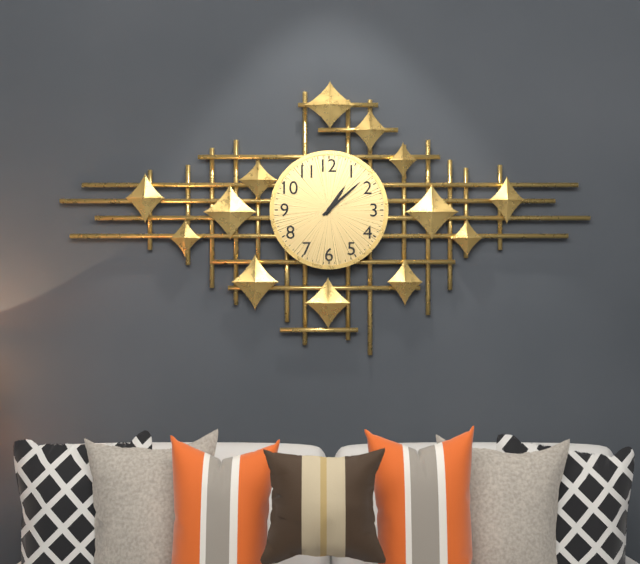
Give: 1:08
